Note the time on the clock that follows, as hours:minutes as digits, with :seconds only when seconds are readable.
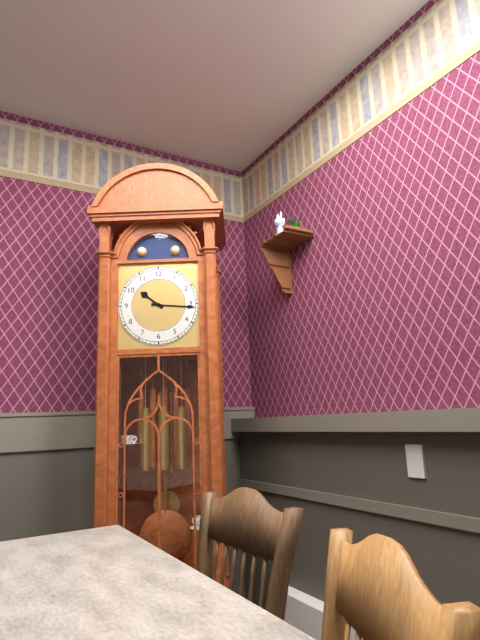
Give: 10:16
